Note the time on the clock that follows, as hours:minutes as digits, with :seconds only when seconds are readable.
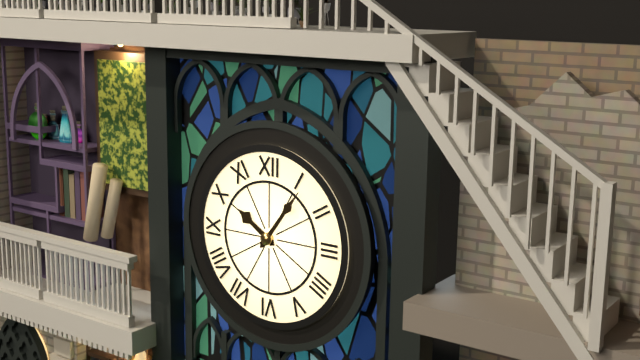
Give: 10:06
